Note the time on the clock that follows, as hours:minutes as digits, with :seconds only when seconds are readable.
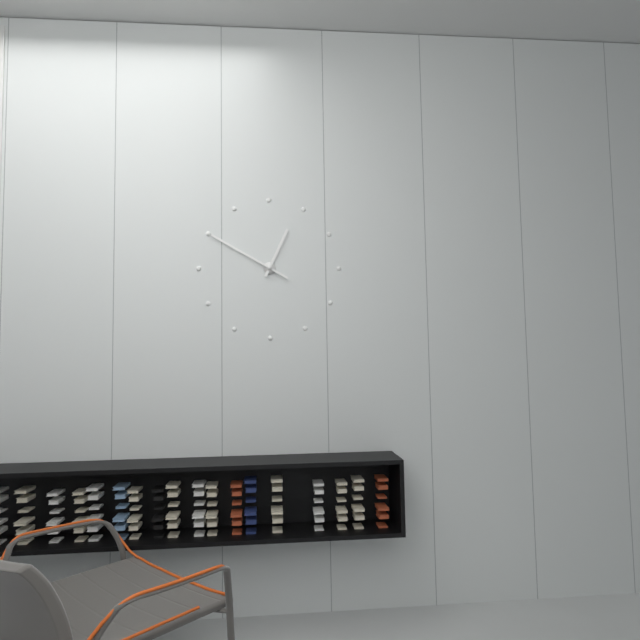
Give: 12:50
